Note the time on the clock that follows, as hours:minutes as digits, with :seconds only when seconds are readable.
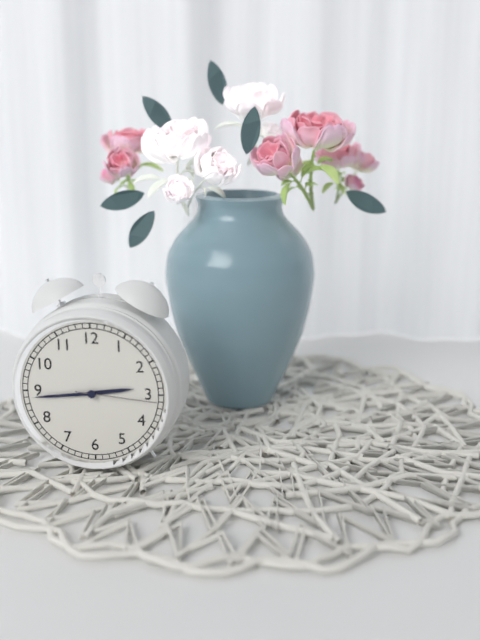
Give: 2:44:16
